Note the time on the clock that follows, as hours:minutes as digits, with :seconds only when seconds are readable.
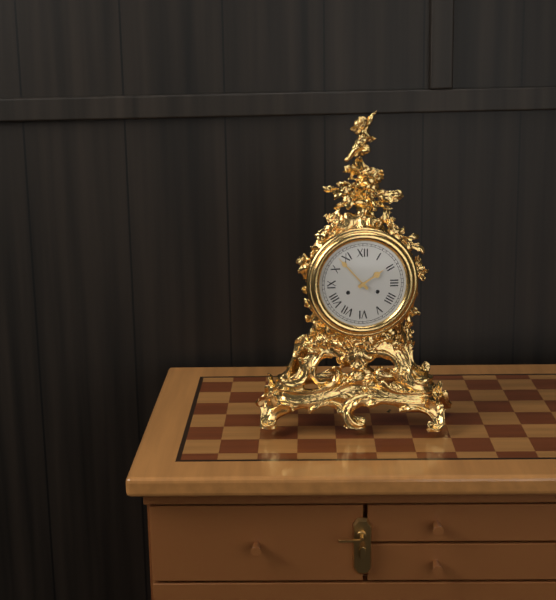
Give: 1:53
